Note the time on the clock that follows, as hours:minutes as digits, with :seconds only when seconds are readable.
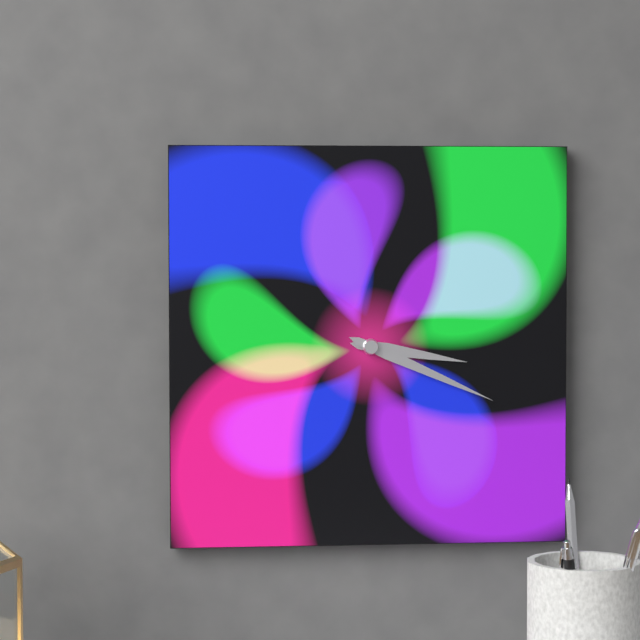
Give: 3:19
